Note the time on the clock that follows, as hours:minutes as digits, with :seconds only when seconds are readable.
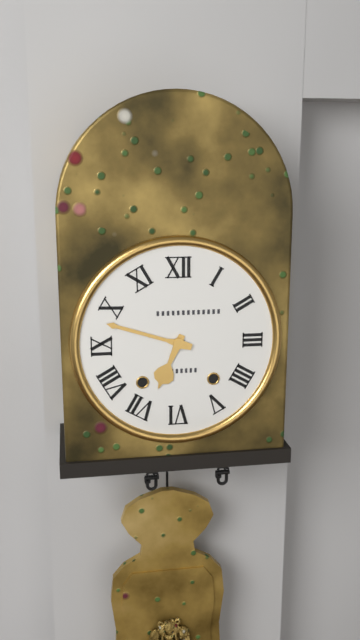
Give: 6:48
